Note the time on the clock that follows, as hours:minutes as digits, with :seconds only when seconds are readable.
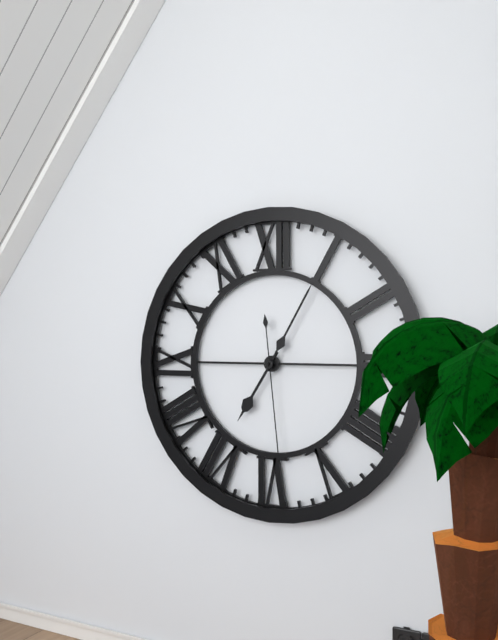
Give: 7:05:29
